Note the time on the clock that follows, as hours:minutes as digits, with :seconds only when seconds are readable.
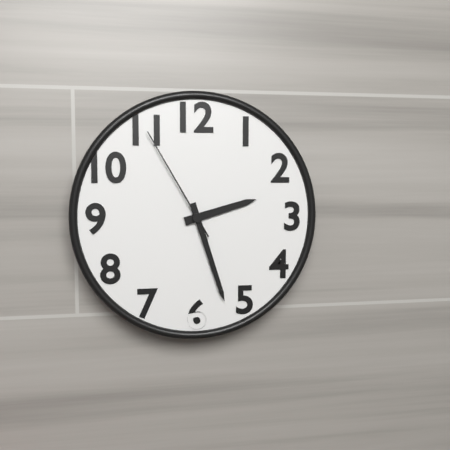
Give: 2:27:55
